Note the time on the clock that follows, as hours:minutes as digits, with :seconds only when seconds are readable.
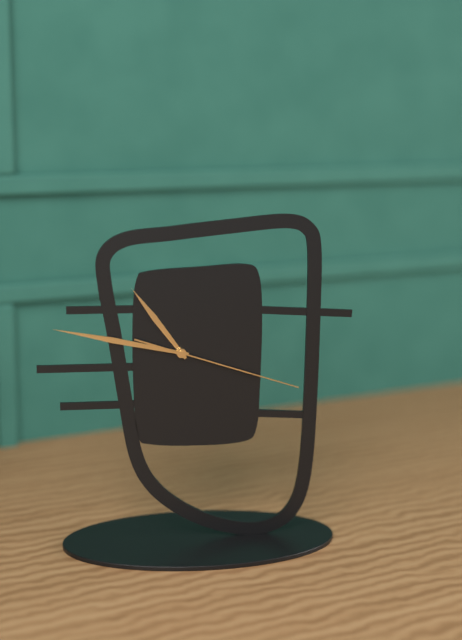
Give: 10:47:18
